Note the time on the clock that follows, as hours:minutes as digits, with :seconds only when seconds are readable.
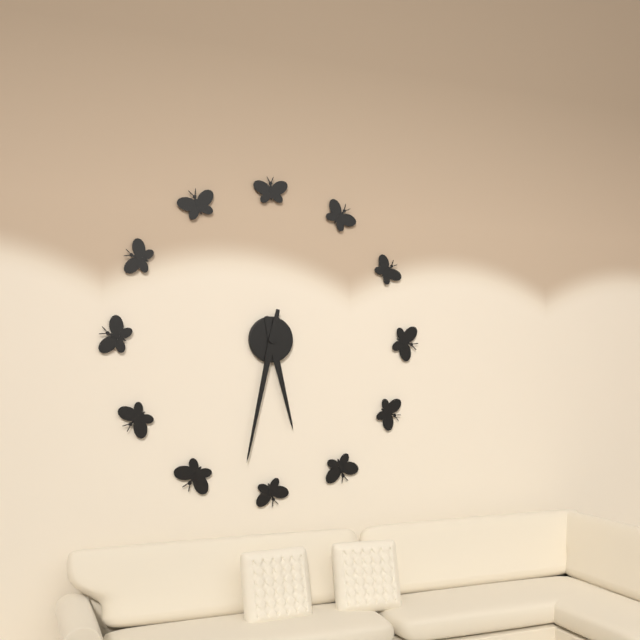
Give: 5:32
